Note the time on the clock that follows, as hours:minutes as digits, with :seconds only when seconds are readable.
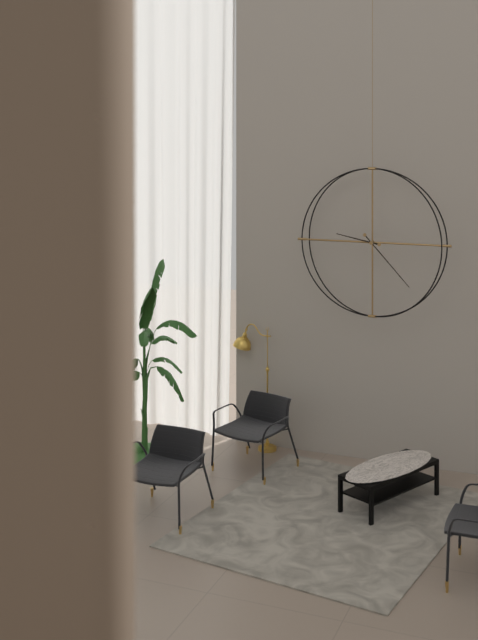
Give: 9:23
